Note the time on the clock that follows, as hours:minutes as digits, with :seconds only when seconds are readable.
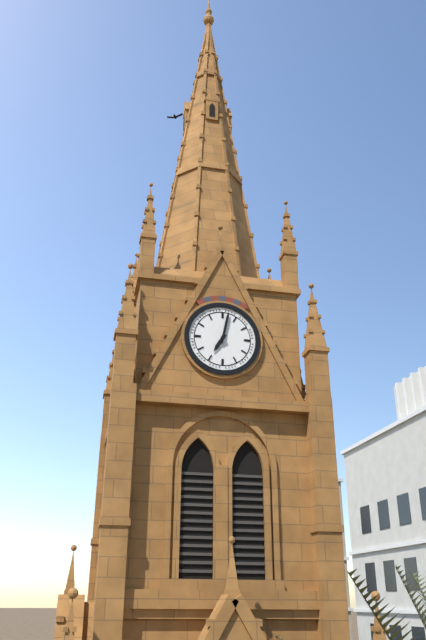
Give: 7:02
